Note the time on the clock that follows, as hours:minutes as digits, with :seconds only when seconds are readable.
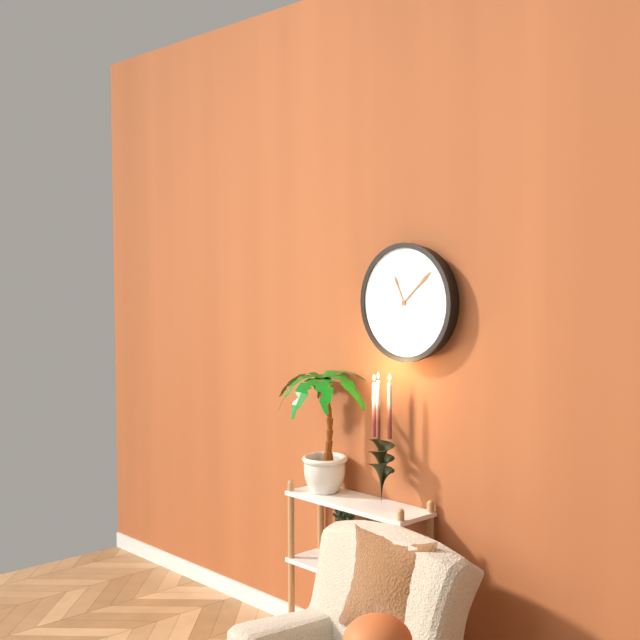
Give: 11:08
